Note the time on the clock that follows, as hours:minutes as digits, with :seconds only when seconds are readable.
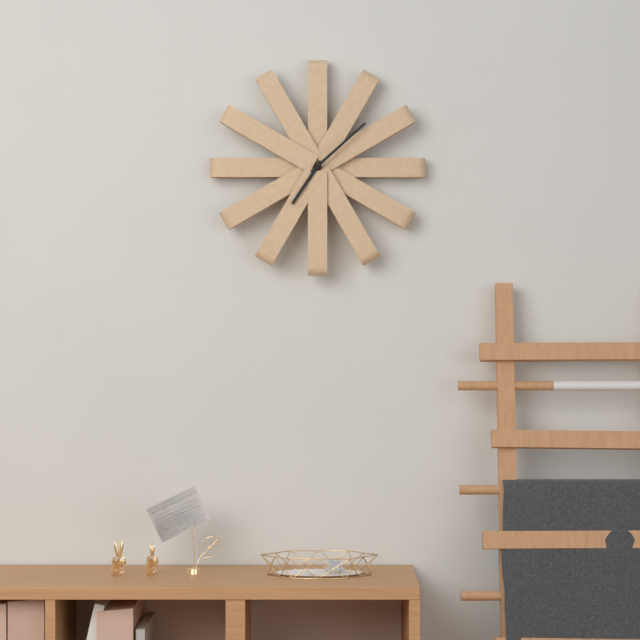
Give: 7:08
